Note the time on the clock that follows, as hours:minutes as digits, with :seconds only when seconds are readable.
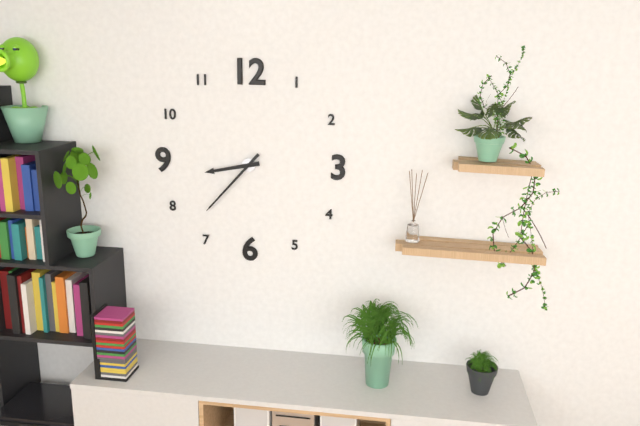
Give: 8:37
